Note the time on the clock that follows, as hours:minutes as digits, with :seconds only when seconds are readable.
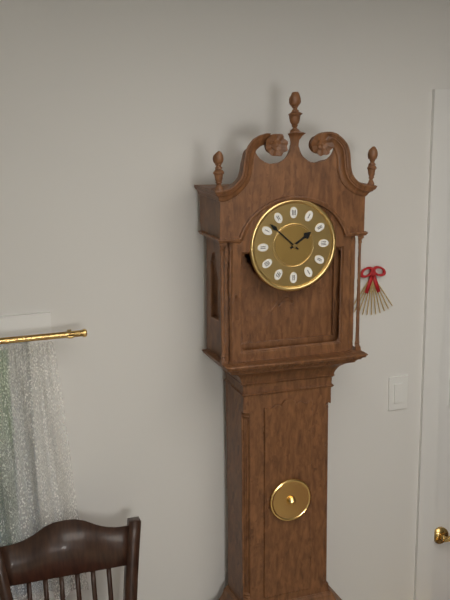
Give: 1:52
